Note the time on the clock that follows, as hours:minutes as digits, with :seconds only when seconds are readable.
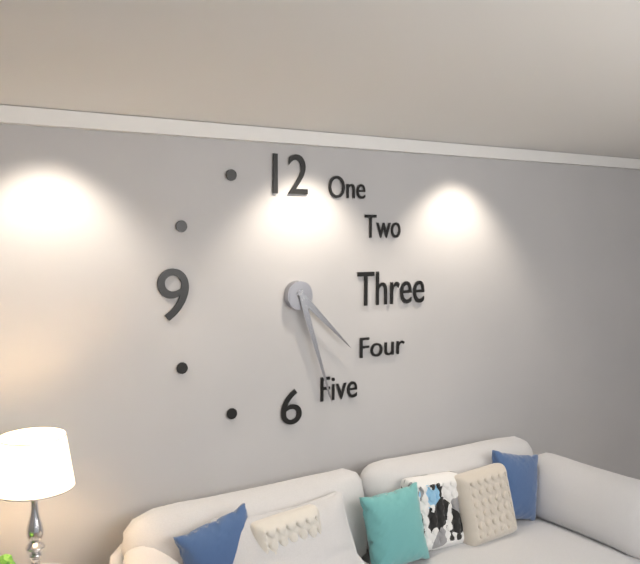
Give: 4:27
